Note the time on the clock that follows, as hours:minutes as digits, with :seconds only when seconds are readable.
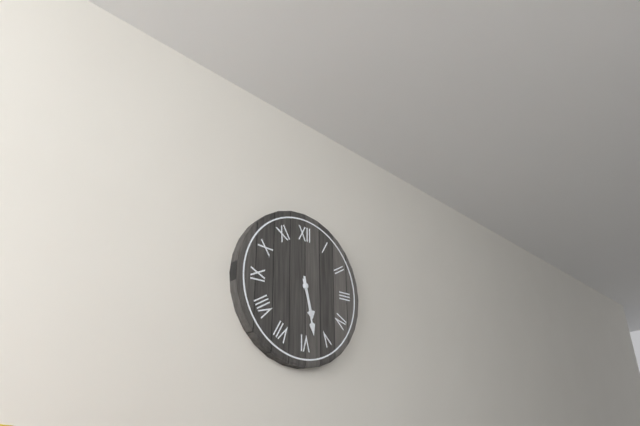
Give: 5:28
